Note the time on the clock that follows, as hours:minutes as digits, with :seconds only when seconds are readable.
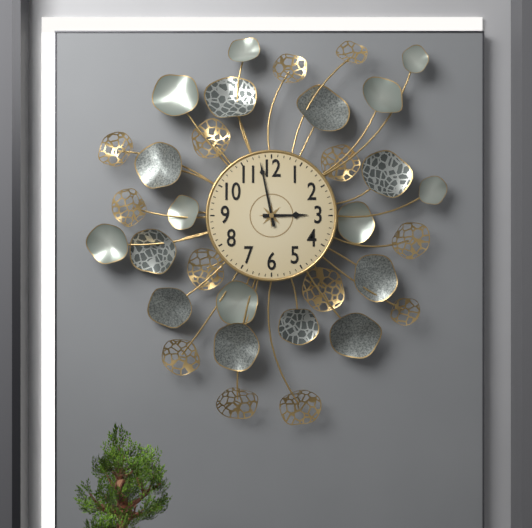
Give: 2:58
